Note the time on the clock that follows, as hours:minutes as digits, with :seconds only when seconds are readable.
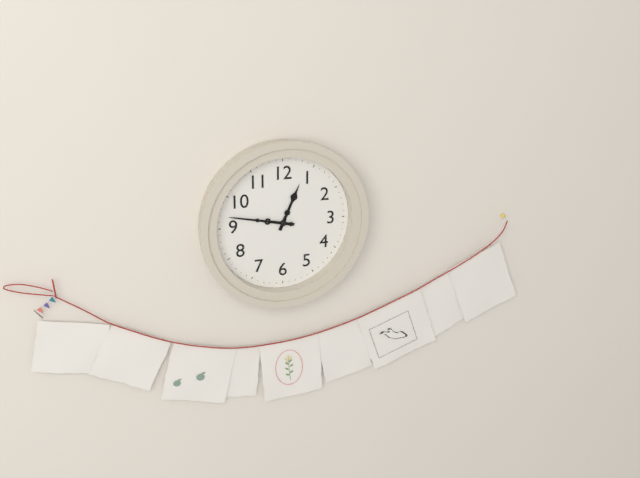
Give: 12:47
